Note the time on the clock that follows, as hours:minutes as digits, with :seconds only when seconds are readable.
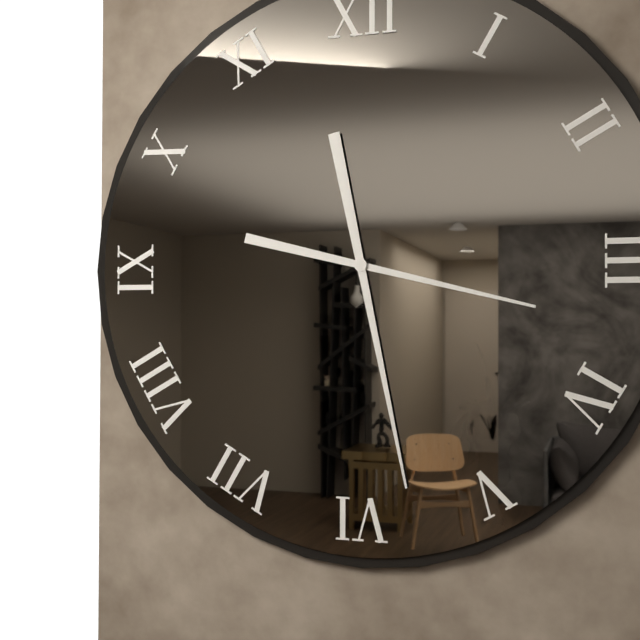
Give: 3:28
